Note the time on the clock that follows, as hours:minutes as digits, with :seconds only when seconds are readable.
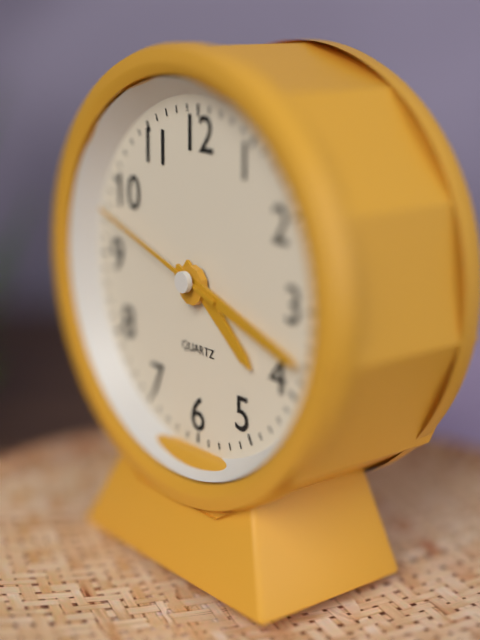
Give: 4:18:48
